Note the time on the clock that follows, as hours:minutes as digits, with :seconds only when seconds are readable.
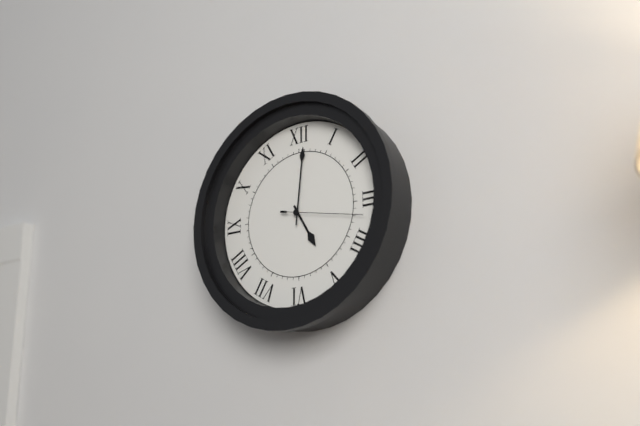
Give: 5:01:17
